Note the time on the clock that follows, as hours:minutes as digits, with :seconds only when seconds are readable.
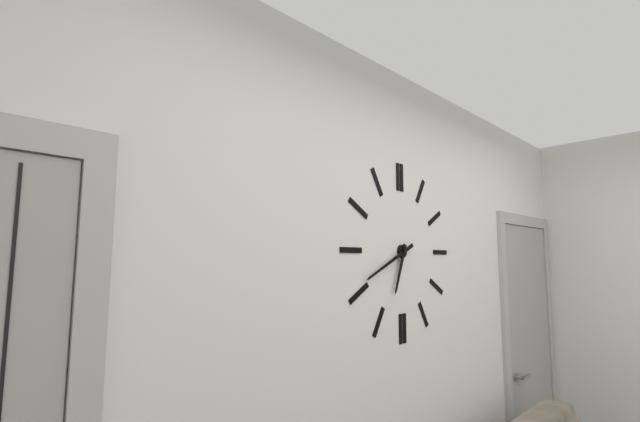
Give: 6:41
